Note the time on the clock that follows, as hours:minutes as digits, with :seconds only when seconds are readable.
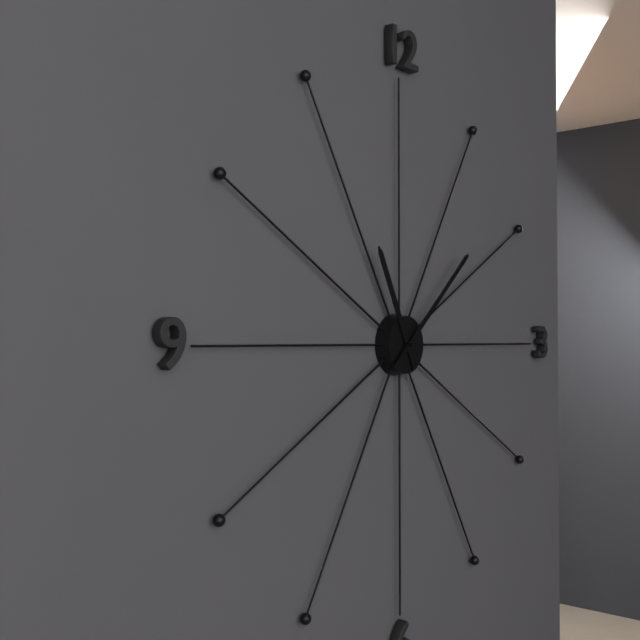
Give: 11:08
